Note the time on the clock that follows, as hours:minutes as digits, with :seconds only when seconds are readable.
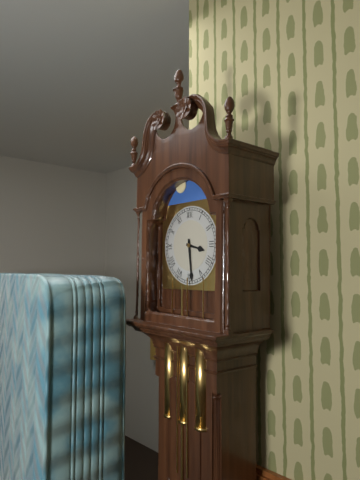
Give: 3:29
